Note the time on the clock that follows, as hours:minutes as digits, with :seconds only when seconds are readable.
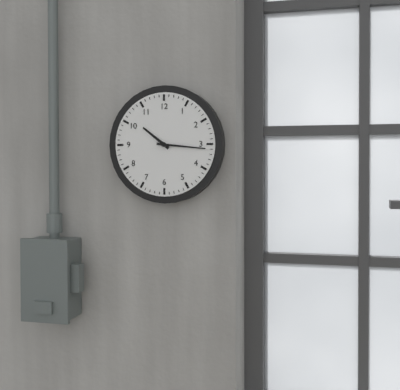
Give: 10:16
